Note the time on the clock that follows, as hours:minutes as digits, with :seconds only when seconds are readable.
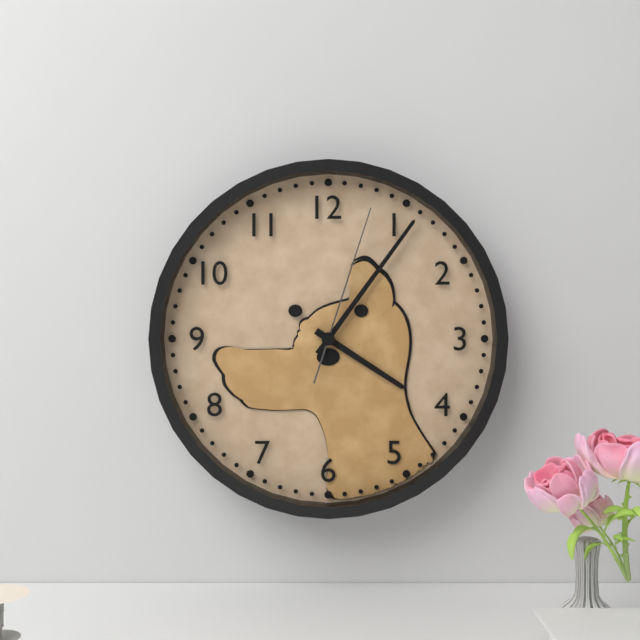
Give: 4:06:03
